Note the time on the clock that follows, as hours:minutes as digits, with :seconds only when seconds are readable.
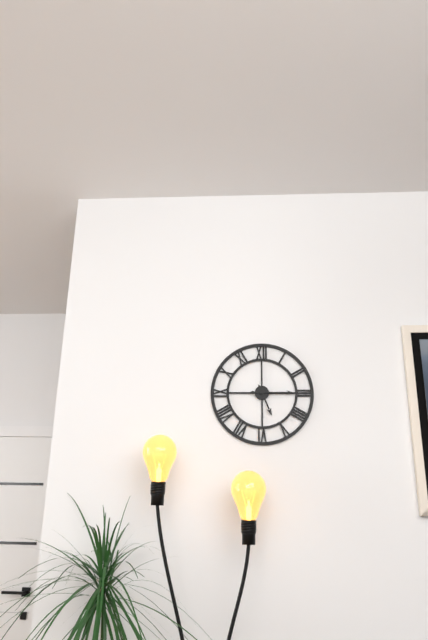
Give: 5:15
